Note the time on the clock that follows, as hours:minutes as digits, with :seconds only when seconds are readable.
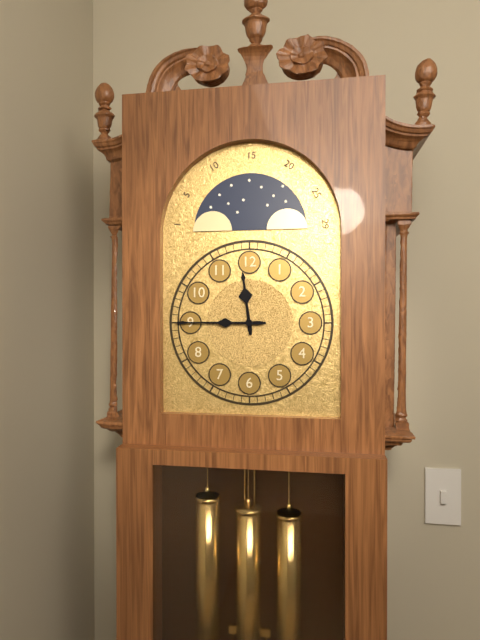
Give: 11:45
